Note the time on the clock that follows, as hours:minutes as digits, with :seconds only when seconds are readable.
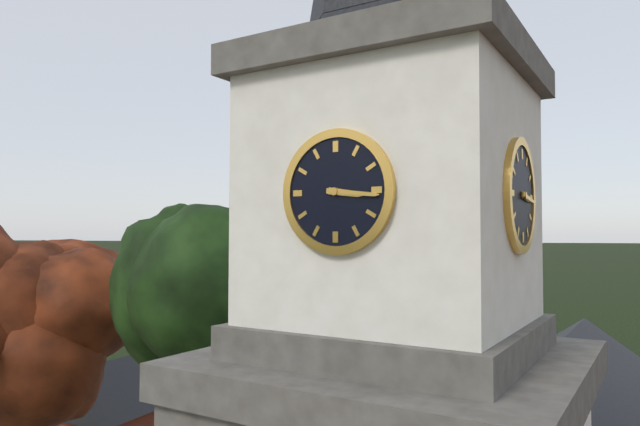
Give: 3:16
